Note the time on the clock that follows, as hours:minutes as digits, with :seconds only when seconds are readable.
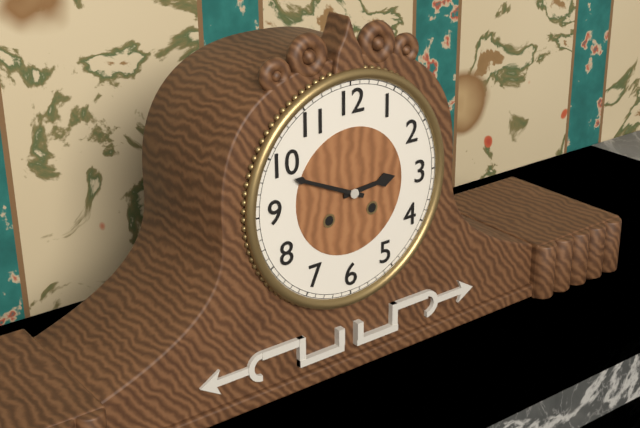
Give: 2:49
